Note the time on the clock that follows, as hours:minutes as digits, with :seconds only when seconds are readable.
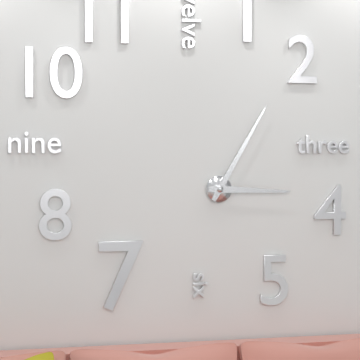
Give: 3:05
